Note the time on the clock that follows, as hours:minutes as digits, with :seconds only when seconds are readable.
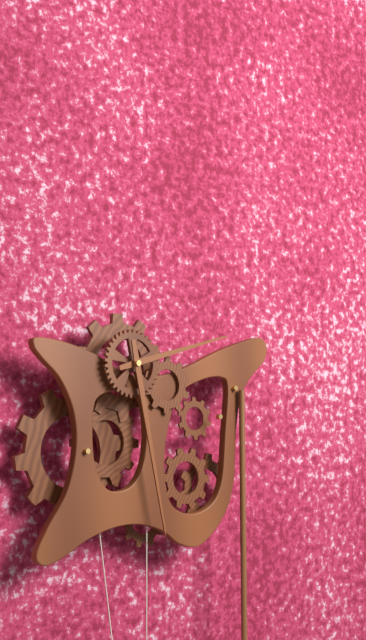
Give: 2:28
